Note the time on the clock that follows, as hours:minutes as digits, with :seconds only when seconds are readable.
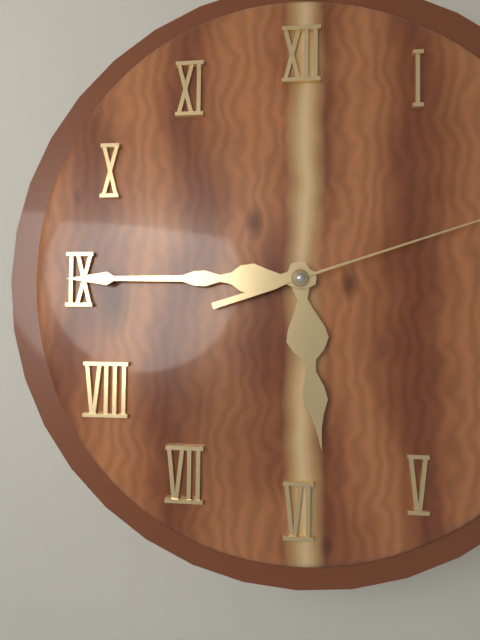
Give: 5:45
